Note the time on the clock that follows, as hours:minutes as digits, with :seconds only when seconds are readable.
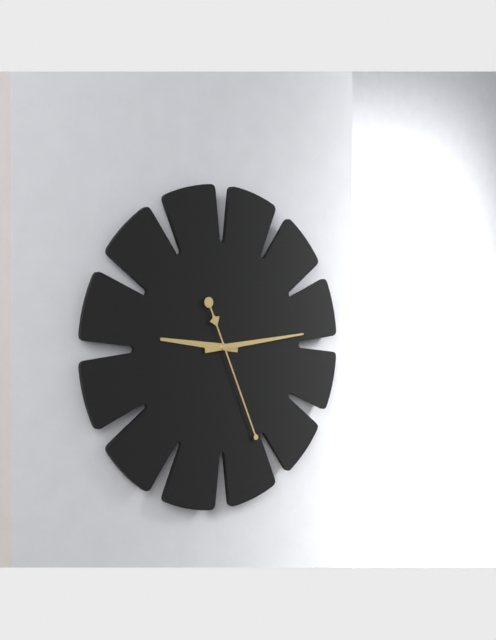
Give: 9:14:26
